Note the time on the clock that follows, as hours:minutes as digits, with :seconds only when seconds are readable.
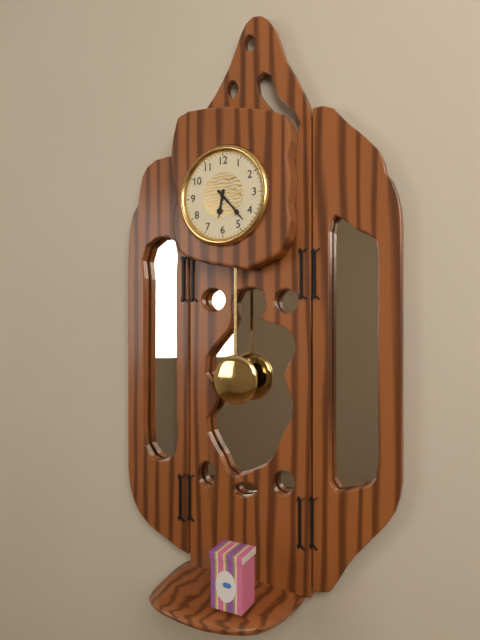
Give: 6:23
